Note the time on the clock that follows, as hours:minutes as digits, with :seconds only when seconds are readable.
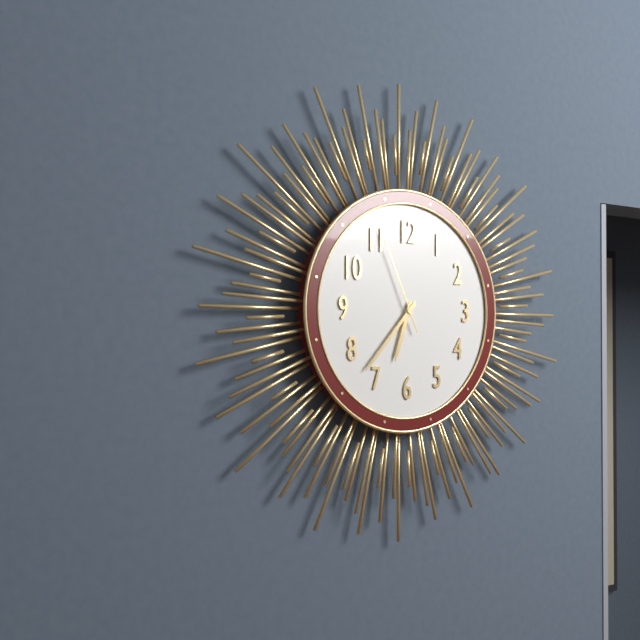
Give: 6:37:56
